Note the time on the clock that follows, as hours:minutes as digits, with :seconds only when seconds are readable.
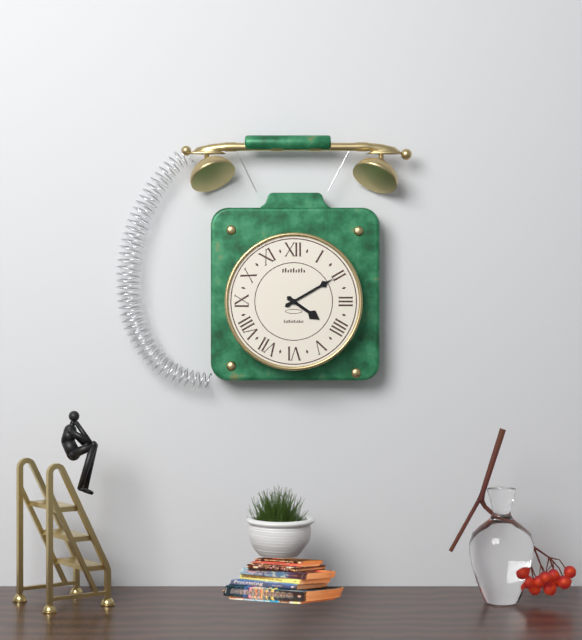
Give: 4:10
